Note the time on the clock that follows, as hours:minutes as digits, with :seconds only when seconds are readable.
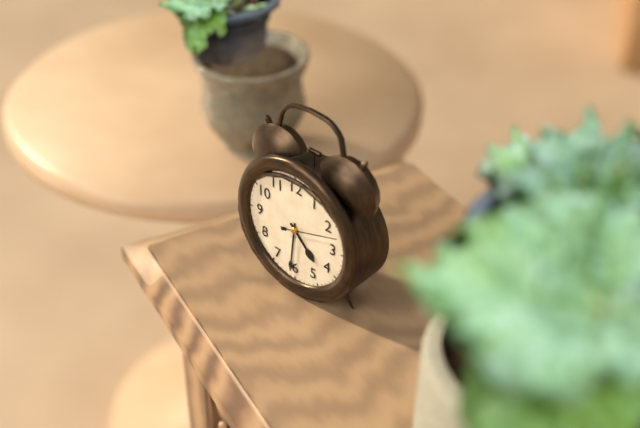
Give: 4:31:12
